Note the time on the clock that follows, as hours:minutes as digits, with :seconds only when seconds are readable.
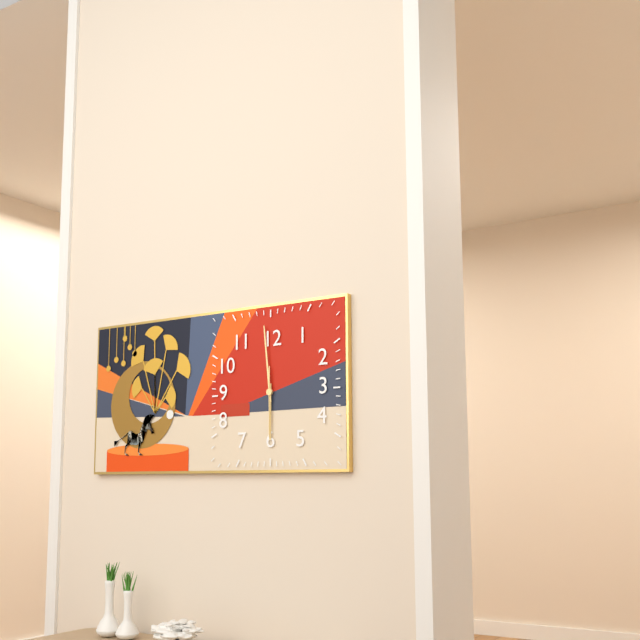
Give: 5:59:30
